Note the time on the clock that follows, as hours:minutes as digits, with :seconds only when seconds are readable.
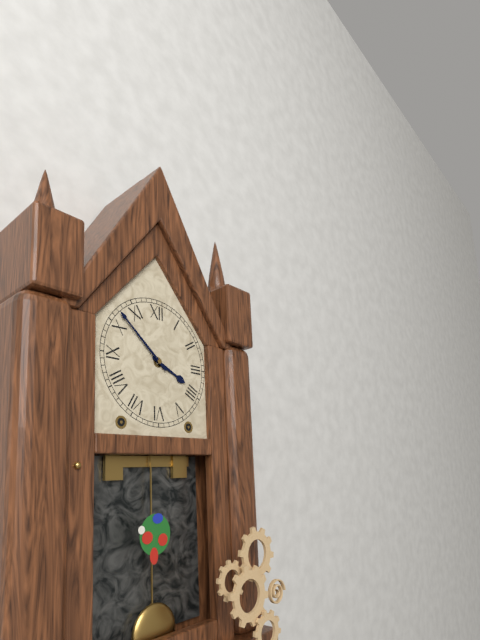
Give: 3:52
